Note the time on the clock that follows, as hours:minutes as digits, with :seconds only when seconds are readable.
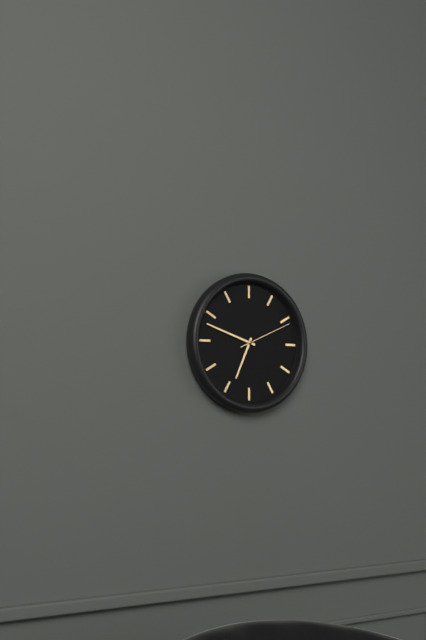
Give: 6:48:11
